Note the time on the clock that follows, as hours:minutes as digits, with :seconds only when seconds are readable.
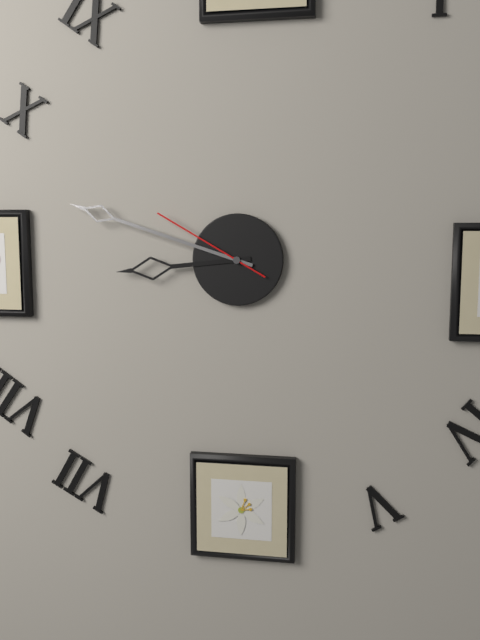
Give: 8:48:50
